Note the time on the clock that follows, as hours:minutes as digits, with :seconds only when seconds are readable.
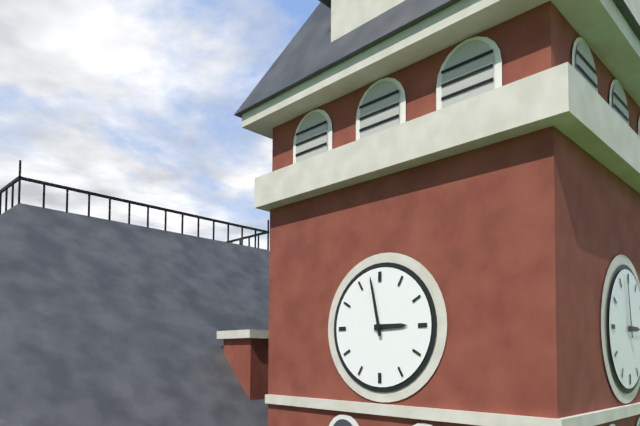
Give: 2:58
